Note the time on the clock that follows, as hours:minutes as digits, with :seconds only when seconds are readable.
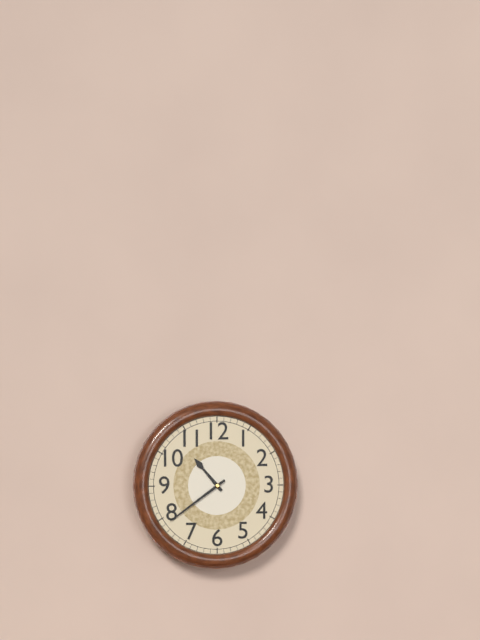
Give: 10:39
